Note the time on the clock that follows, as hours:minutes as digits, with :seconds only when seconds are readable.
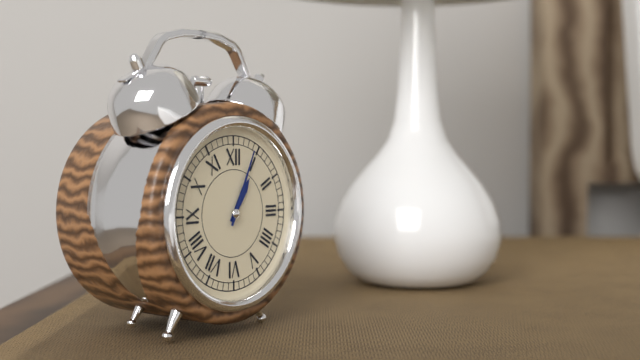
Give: 1:04
